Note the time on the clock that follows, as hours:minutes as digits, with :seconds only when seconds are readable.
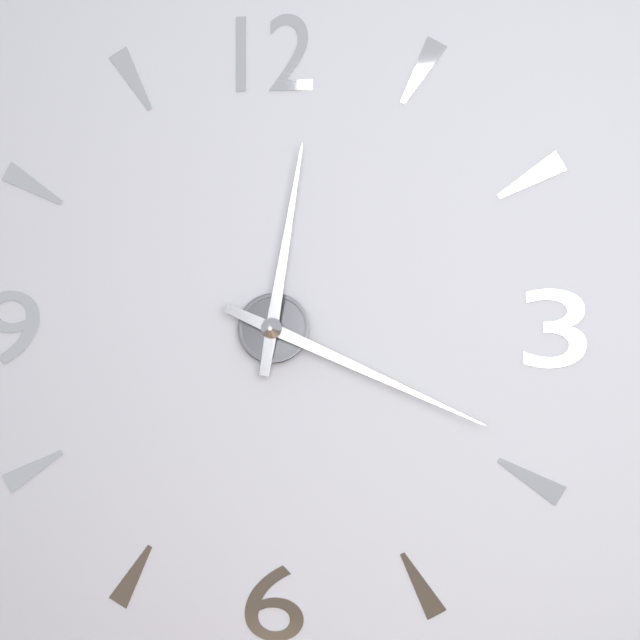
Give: 12:19
